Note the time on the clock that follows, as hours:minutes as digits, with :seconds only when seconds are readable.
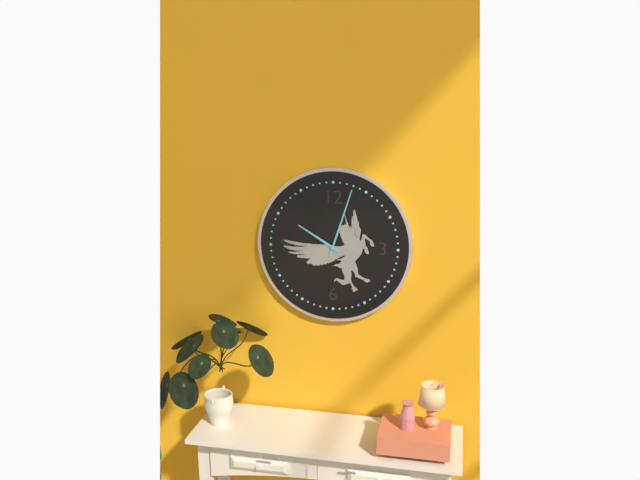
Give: 10:03
